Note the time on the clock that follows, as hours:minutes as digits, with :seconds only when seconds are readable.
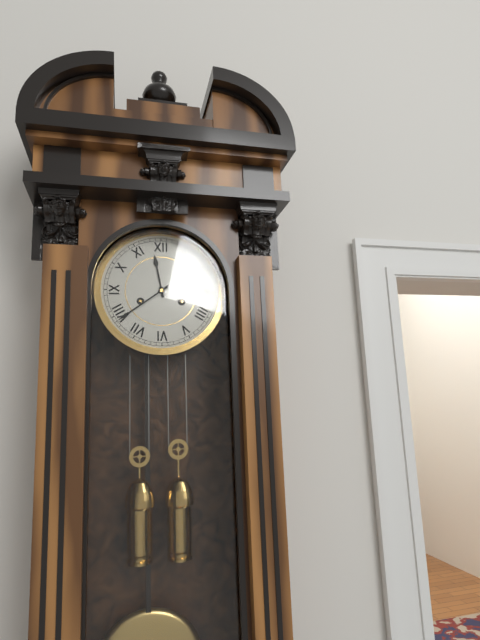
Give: 11:39
